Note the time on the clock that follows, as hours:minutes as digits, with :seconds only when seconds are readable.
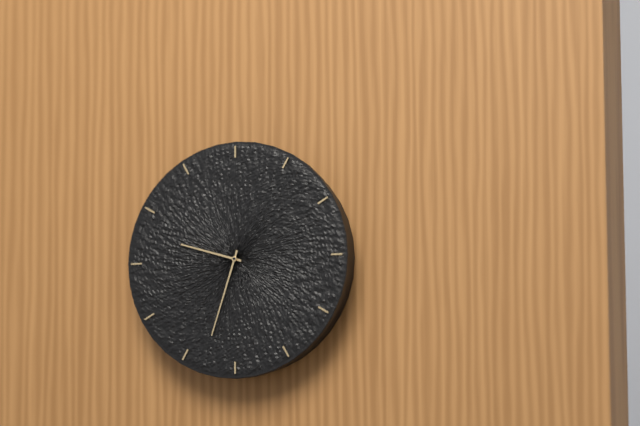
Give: 9:33
